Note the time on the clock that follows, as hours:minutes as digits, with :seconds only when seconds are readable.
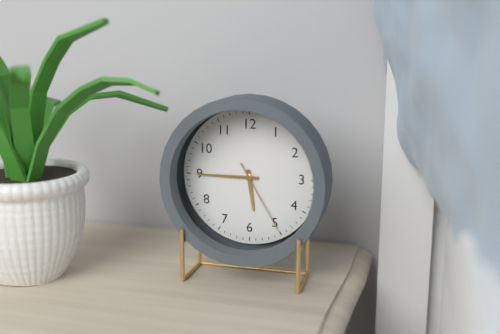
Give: 5:45:25
